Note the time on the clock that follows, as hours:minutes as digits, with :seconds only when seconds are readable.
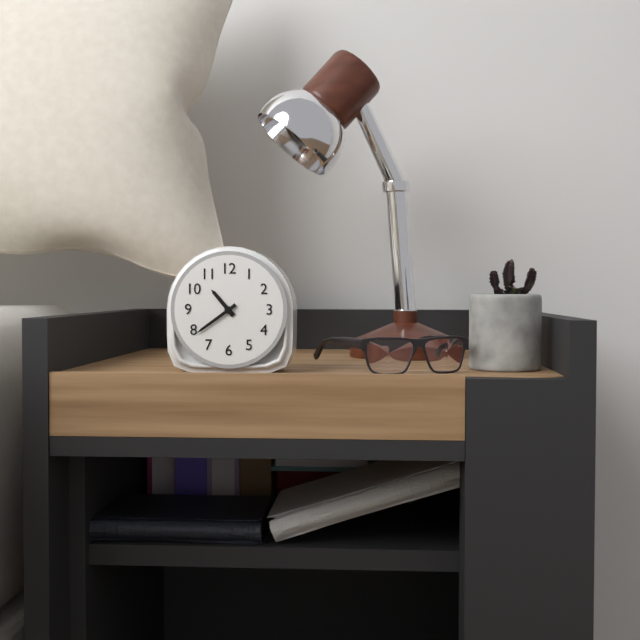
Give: 10:39
